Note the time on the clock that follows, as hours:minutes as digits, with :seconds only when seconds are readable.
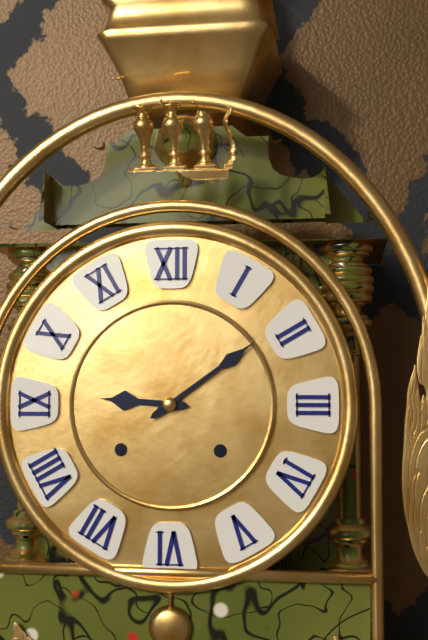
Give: 9:09
